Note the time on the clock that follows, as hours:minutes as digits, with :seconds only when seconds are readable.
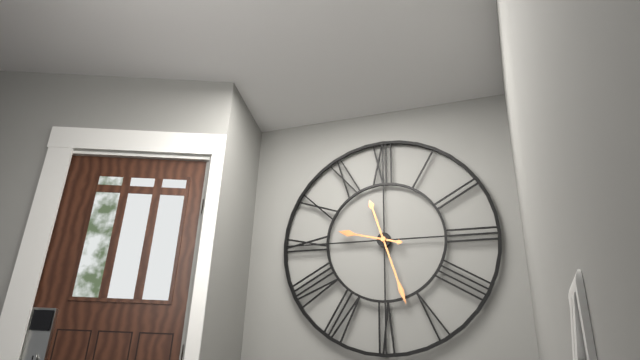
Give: 9:27
